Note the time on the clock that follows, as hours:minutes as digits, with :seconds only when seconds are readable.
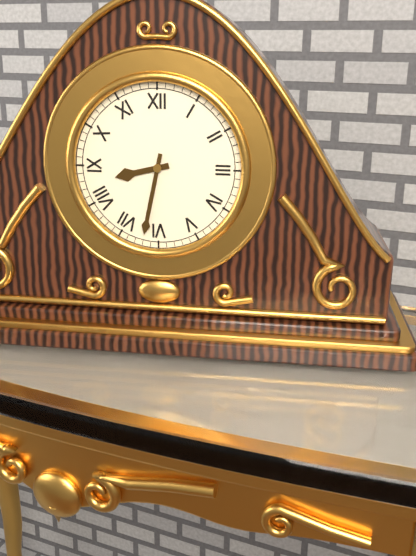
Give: 8:32
